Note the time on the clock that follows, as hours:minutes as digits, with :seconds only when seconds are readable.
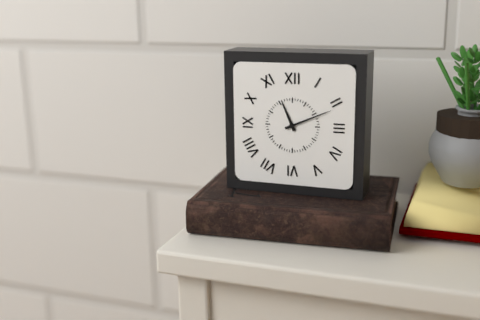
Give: 11:11
